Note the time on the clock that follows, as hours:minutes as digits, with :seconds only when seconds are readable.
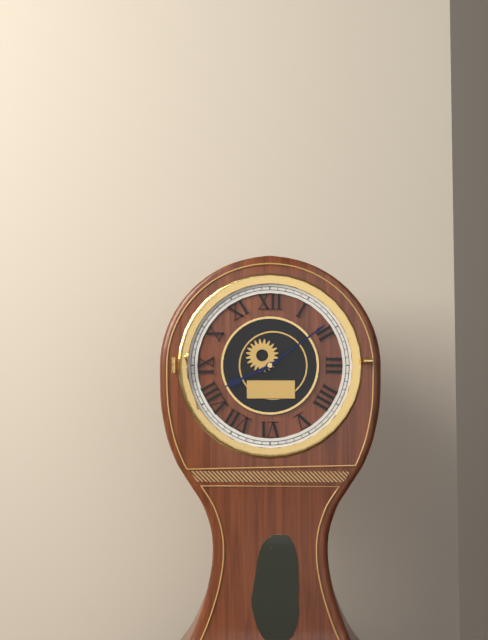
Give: 8:09
